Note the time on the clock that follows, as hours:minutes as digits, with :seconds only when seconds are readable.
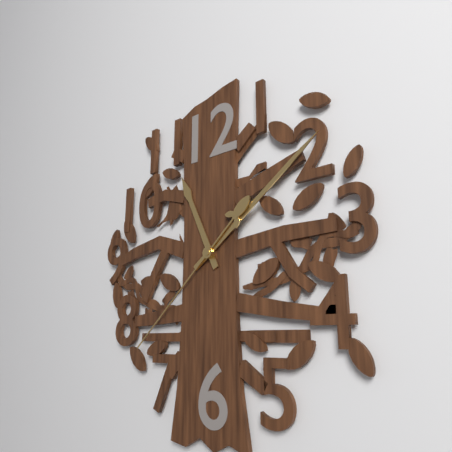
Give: 11:09:38
